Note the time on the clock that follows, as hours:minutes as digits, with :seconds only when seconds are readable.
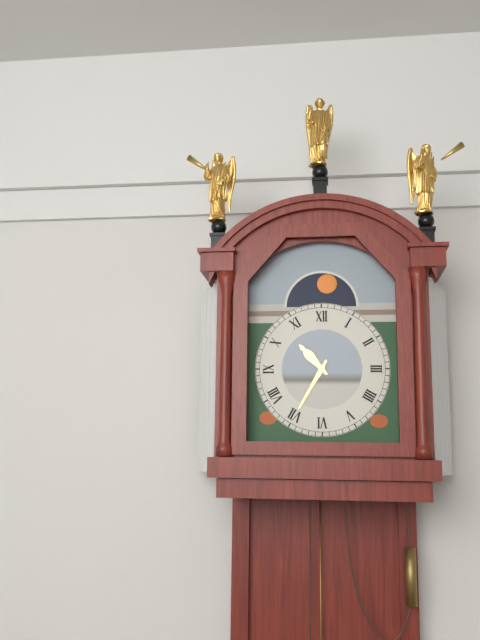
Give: 10:35
